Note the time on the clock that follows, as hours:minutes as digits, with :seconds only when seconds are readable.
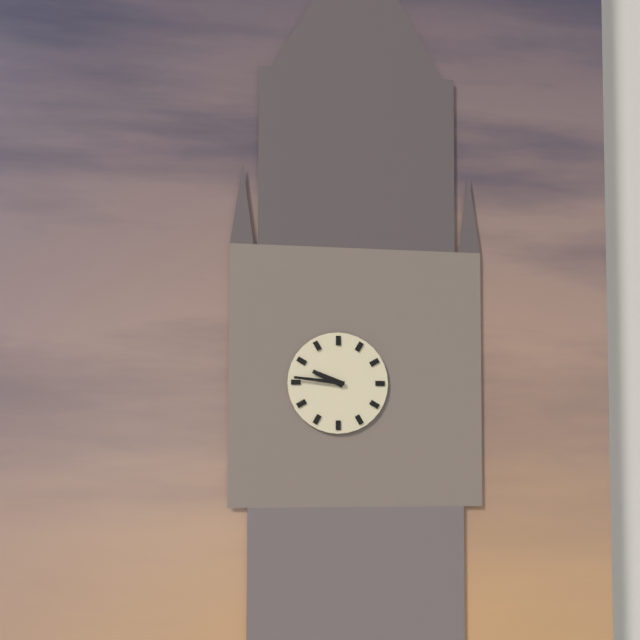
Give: 9:46
